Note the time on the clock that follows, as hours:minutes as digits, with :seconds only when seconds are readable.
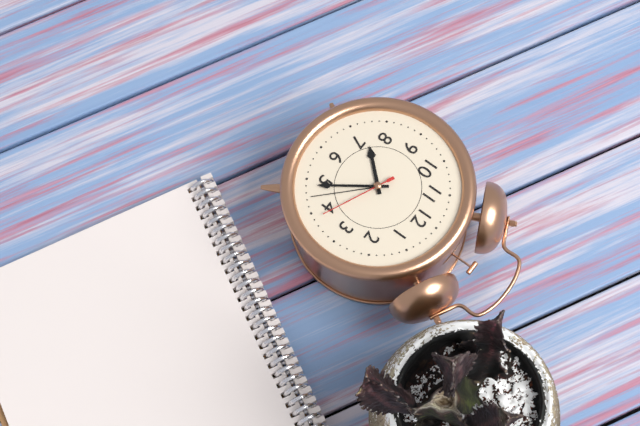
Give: 7:24:19
